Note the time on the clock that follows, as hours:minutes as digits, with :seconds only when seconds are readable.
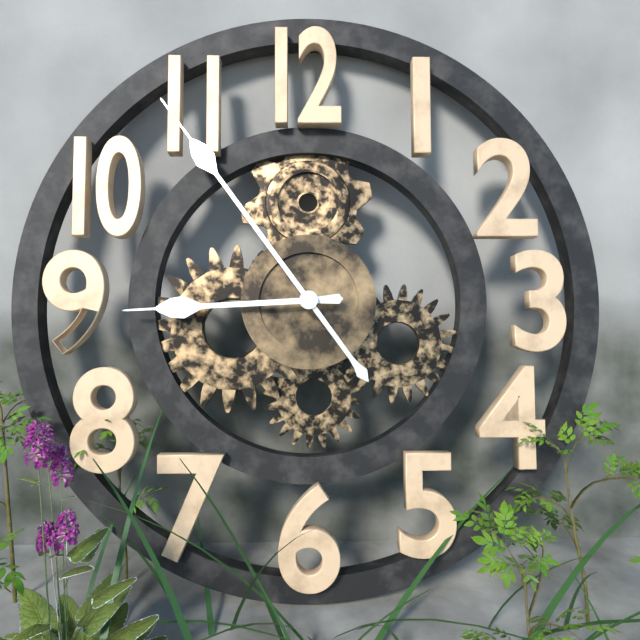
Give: 8:54
